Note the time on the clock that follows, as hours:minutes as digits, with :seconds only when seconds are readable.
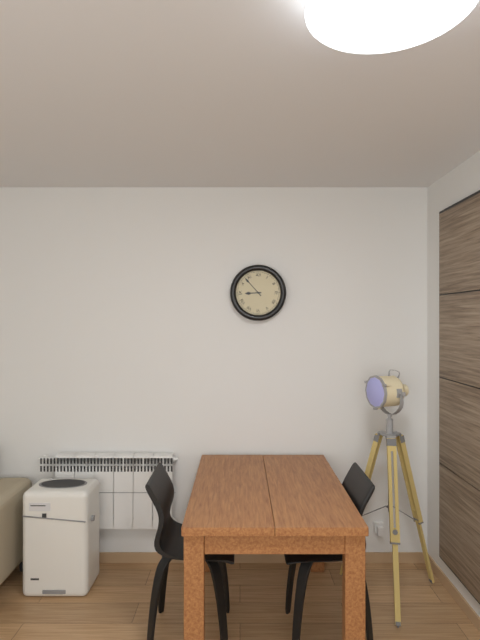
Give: 8:53
